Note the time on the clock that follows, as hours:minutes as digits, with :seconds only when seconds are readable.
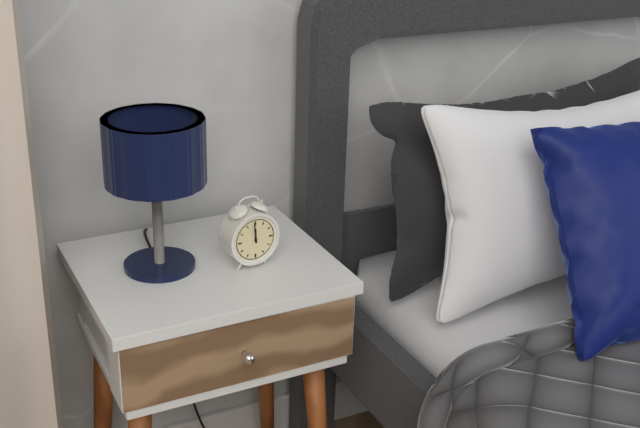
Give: 11:59
